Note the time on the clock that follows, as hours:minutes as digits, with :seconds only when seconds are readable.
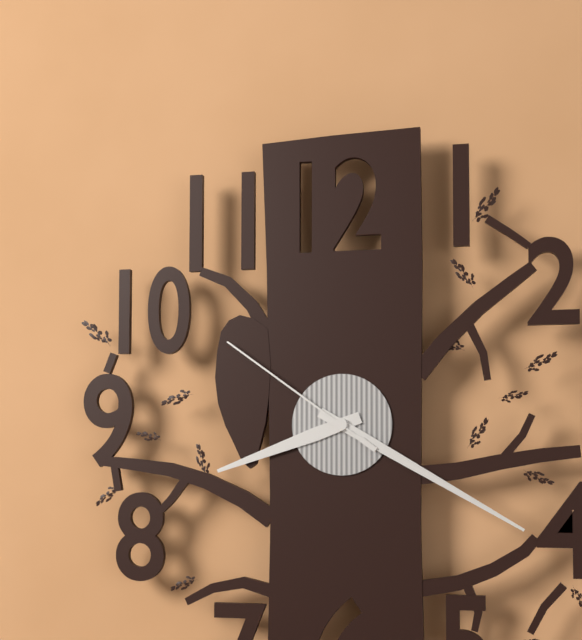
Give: 8:20:51
